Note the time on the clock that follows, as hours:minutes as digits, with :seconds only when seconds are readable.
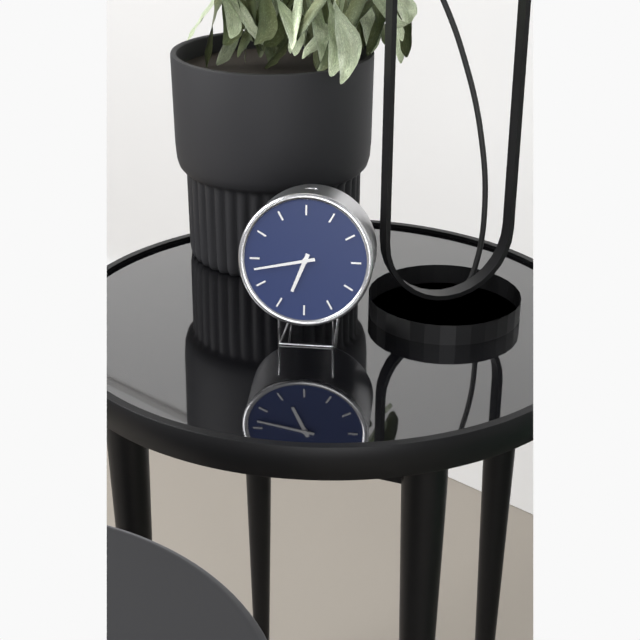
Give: 6:43
